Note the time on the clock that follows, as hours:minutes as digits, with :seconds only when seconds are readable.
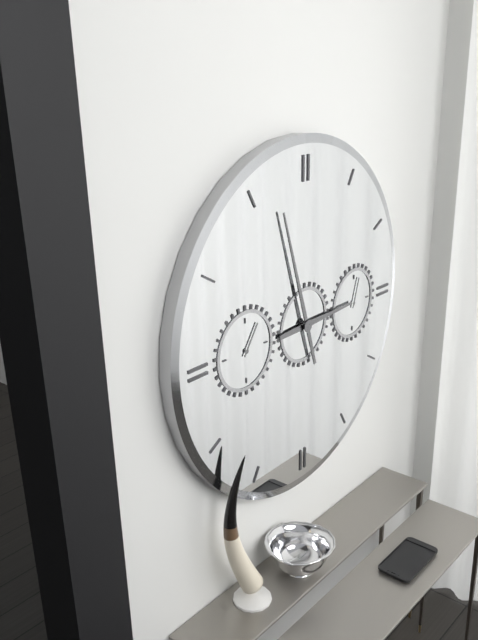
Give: 2:57
